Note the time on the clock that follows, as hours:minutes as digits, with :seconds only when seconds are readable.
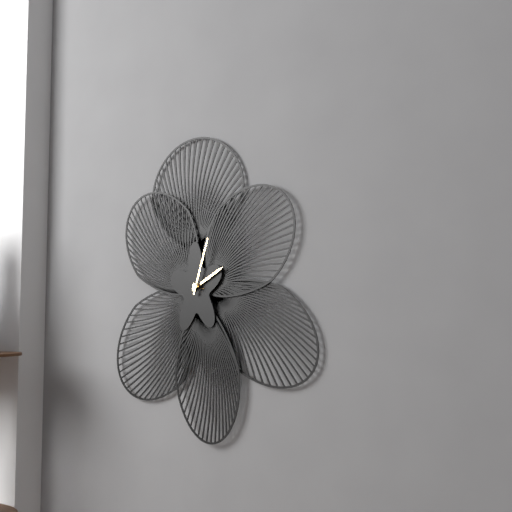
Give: 2:03
